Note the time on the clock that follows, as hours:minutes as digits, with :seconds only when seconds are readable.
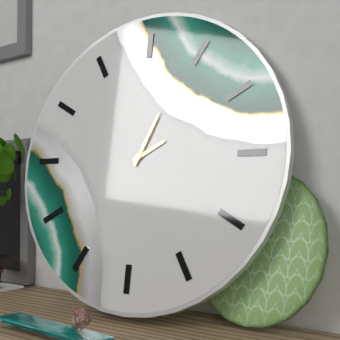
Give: 2:04
